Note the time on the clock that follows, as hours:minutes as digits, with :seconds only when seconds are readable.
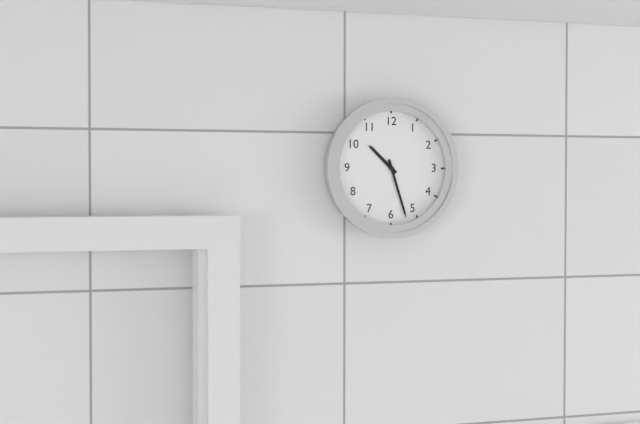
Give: 10:27
